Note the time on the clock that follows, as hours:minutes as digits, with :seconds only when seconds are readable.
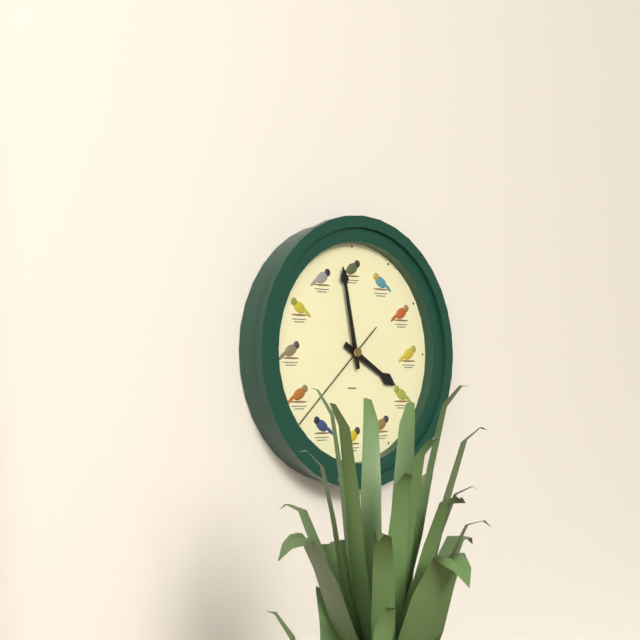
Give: 3:58:38
